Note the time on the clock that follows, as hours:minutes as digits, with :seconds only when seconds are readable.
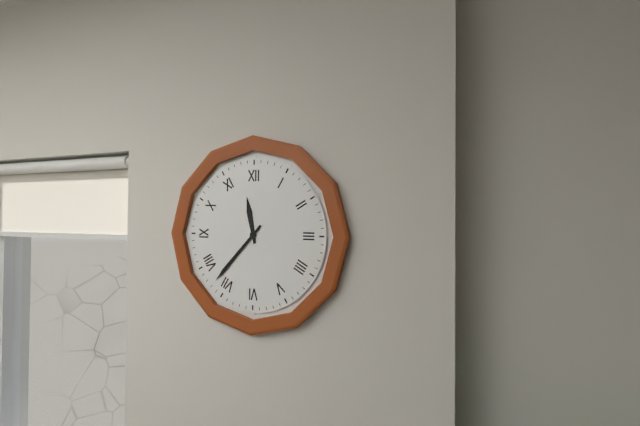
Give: 11:37
